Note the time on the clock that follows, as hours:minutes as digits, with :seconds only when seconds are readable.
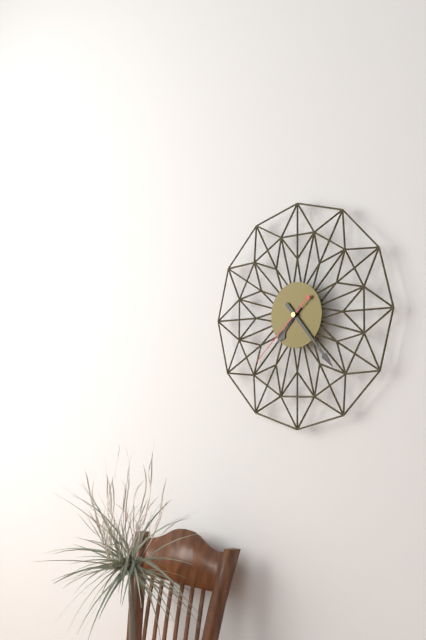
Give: 7:23:38
